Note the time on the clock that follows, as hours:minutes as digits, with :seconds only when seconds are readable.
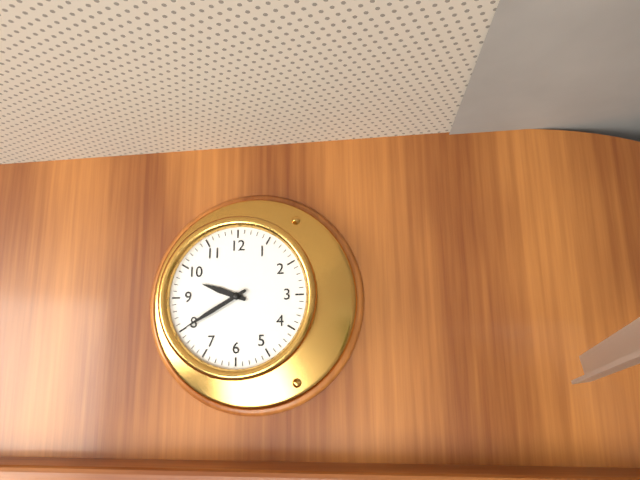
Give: 9:40
